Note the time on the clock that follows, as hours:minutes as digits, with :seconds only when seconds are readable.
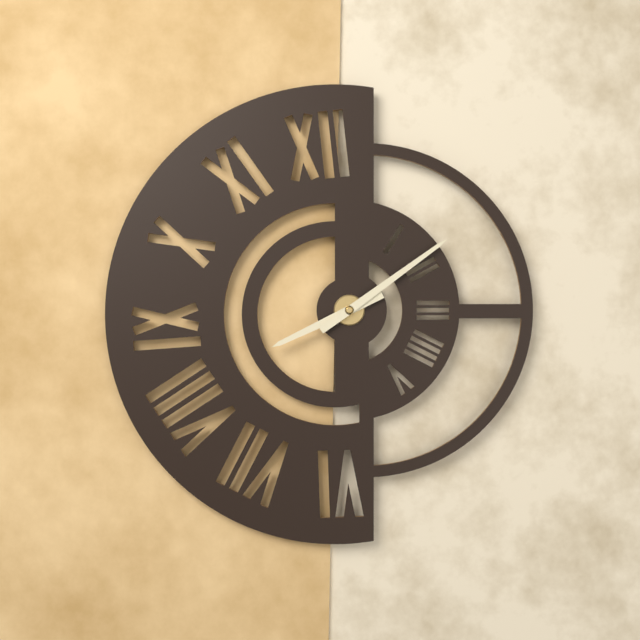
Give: 8:09
